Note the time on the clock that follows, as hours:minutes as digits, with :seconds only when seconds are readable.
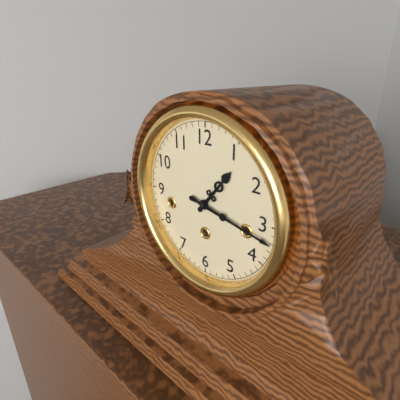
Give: 1:17
